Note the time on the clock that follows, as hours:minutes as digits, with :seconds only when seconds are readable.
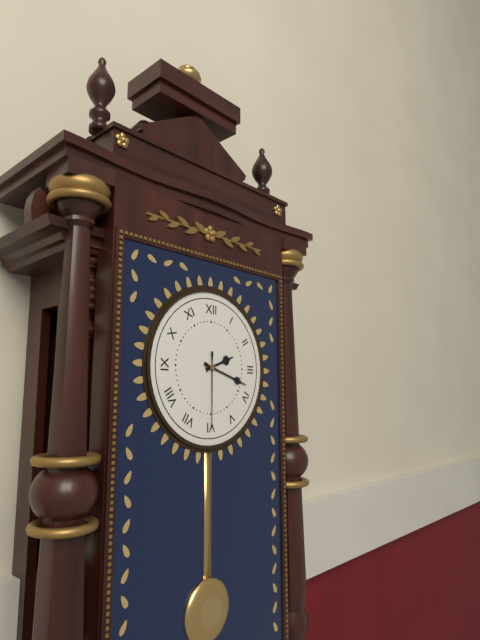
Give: 2:18:30
